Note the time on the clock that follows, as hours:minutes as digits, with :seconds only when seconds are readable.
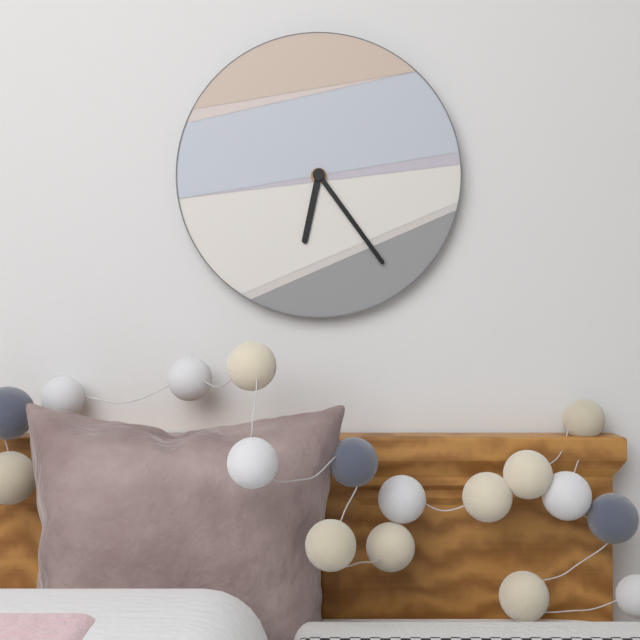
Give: 6:24
